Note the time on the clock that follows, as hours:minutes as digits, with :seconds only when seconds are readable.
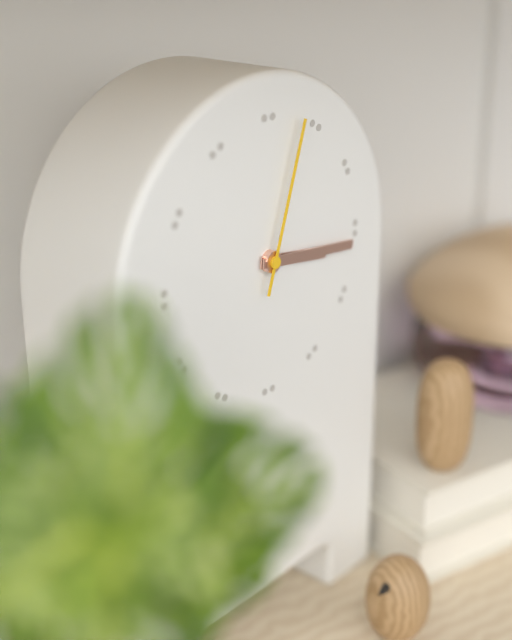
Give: 3:16:03
